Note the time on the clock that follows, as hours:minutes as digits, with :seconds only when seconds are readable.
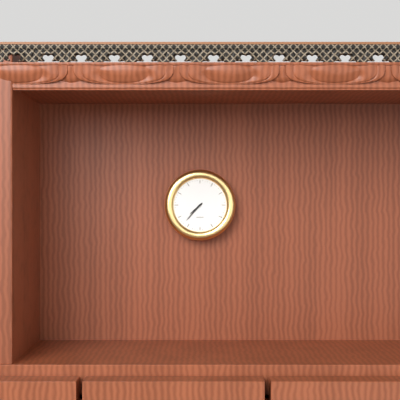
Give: 7:37
